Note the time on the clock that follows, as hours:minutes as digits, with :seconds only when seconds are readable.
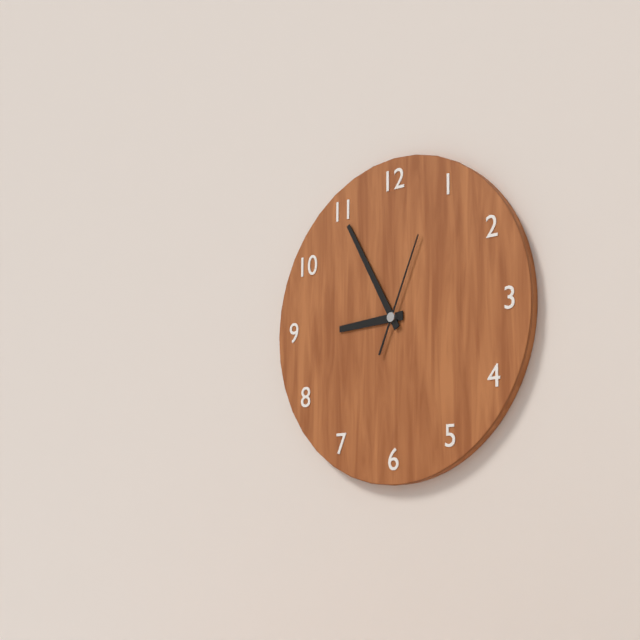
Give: 8:55:04
